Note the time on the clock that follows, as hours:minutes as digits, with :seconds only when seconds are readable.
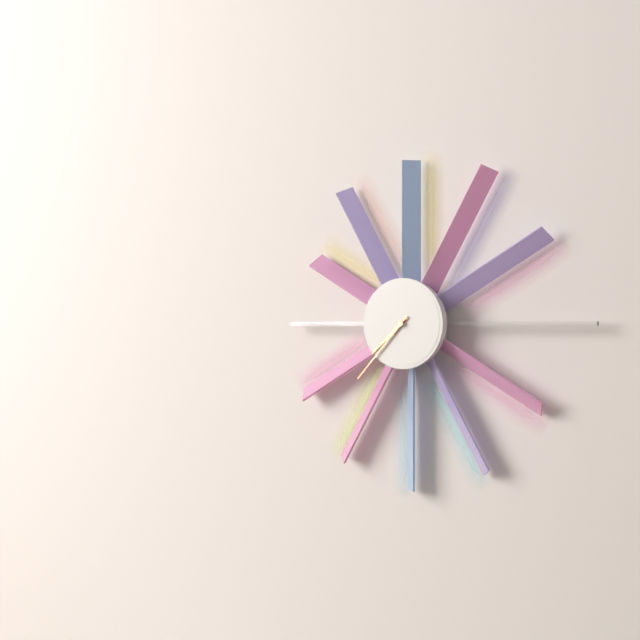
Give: 7:37
